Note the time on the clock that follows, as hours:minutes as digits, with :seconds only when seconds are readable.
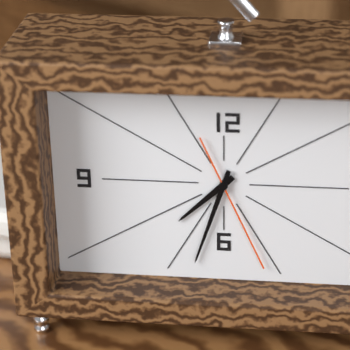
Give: 7:33:26
